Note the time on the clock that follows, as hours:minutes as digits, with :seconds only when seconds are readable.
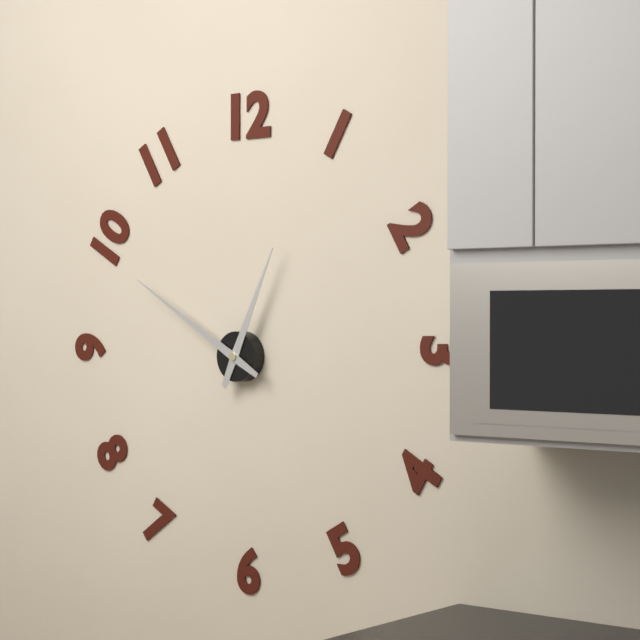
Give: 12:50
